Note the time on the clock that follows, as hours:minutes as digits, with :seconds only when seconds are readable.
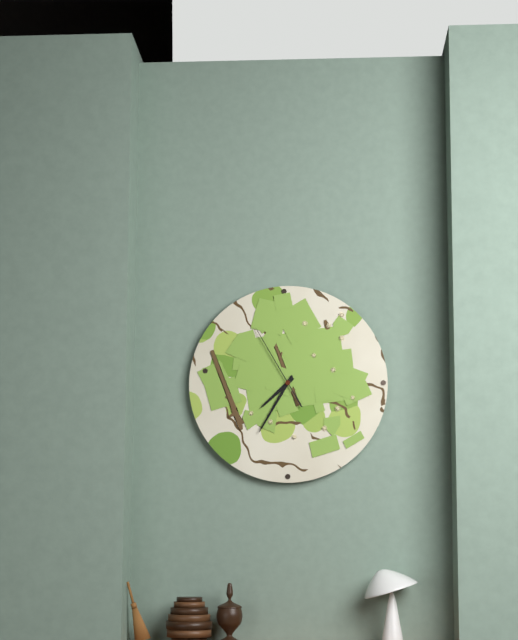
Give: 7:35:55
